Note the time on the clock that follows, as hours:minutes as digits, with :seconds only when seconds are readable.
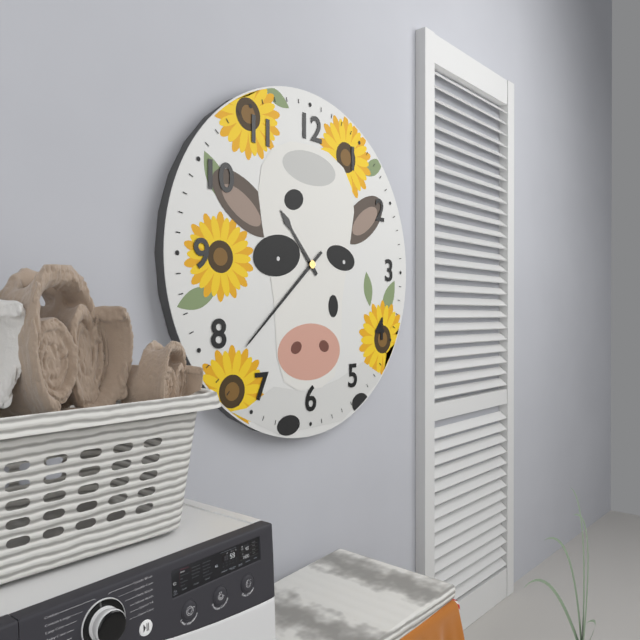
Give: 10:38
